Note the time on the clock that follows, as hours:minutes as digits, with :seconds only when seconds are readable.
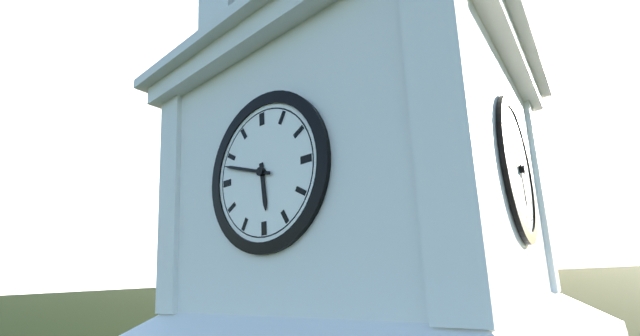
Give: 5:48
